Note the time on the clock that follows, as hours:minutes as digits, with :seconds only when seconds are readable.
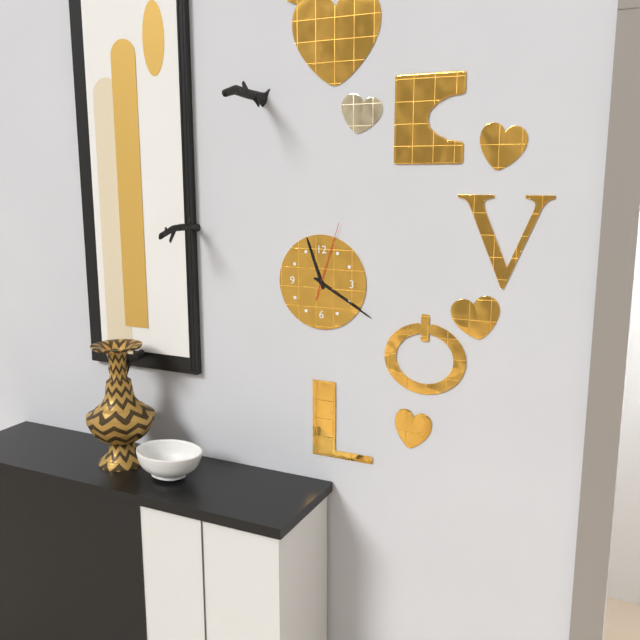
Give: 11:20:03
